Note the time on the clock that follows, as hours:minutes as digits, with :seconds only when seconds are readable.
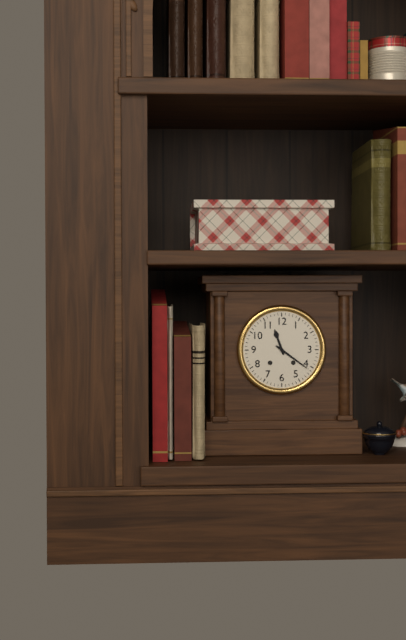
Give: 11:21
